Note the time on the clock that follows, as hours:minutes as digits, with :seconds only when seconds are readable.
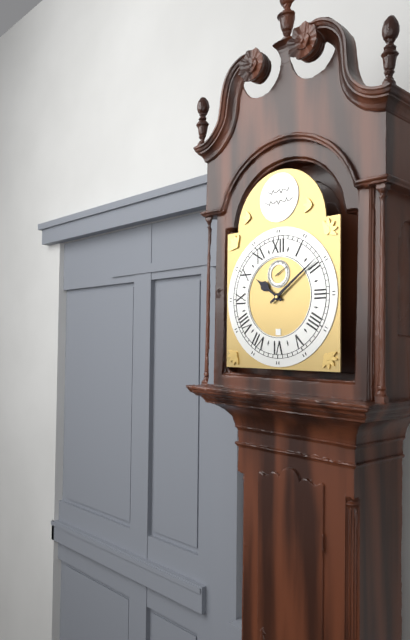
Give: 10:09
